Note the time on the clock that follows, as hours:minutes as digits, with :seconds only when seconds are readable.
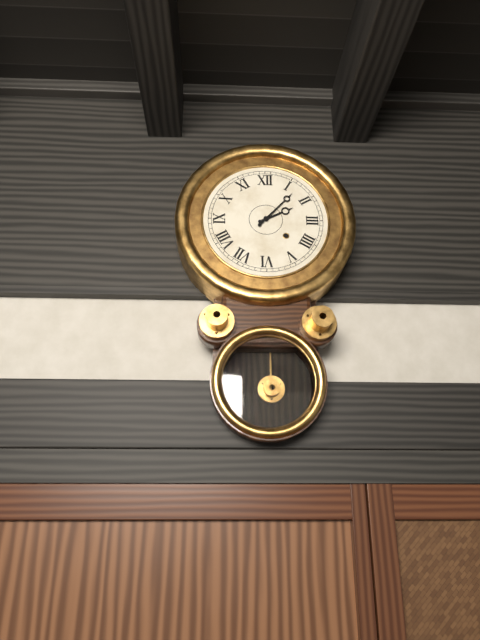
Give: 2:07
